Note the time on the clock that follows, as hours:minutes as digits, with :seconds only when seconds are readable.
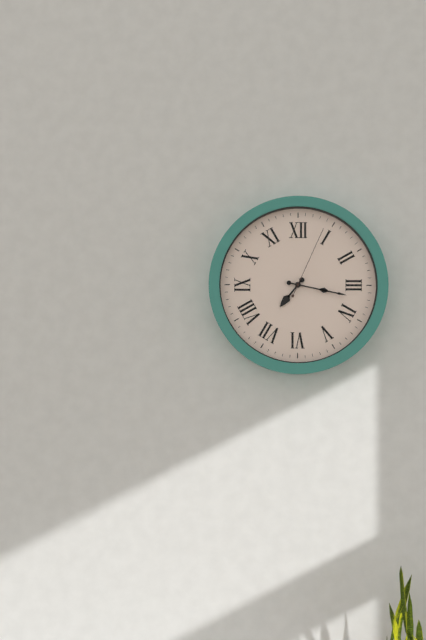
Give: 7:17:04
